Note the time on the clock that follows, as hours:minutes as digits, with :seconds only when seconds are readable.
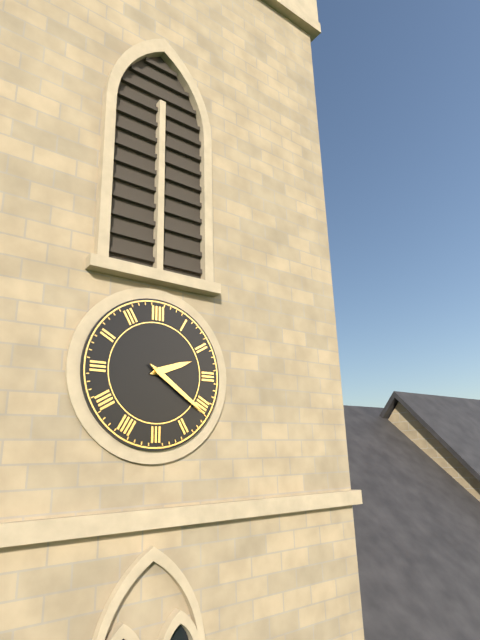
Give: 2:21
